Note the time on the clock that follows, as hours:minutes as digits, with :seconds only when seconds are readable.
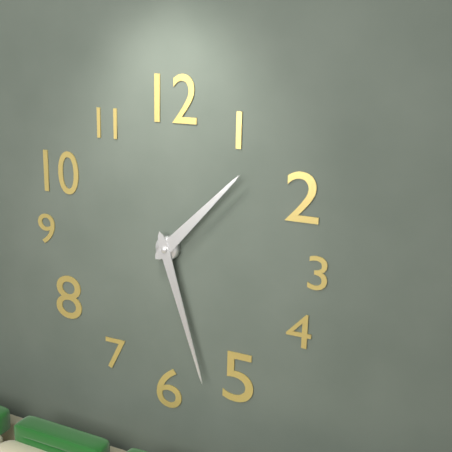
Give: 1:27
